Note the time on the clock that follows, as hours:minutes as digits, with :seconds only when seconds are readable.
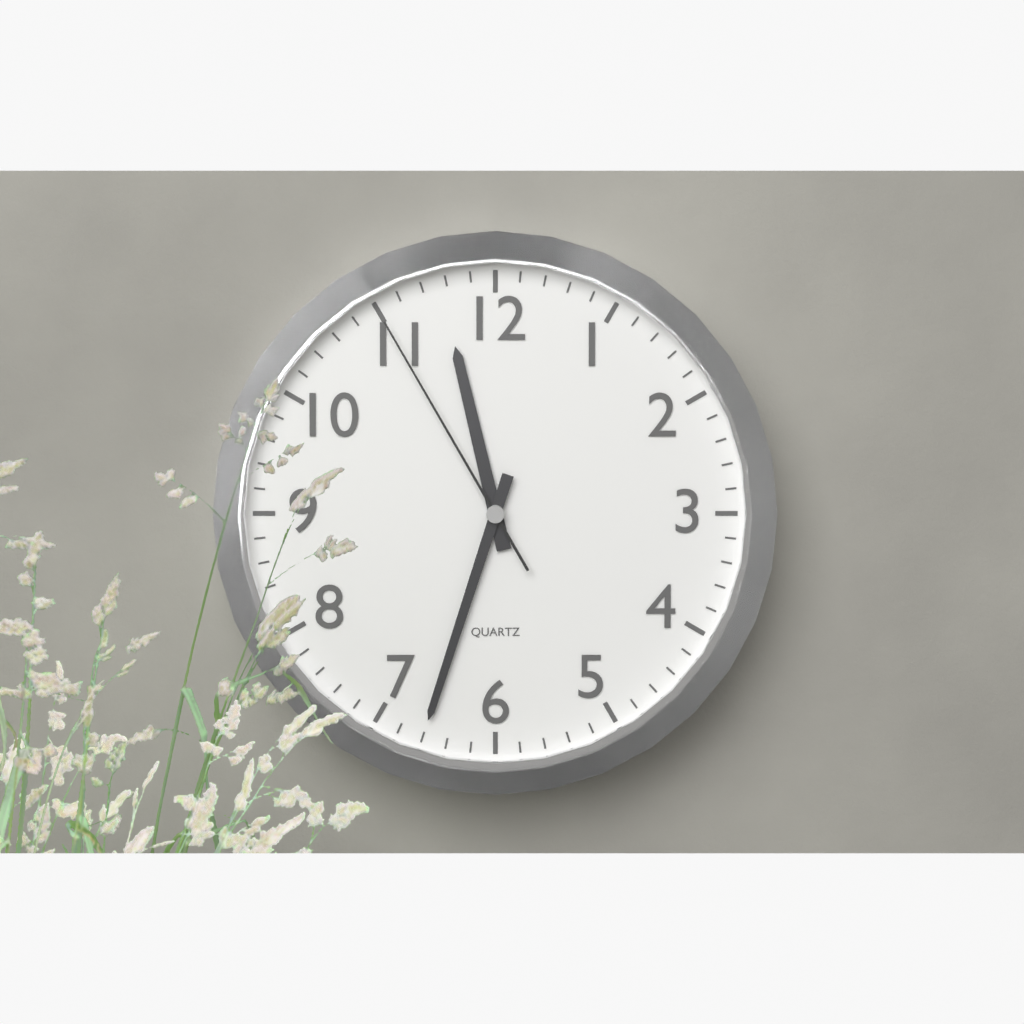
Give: 11:33:55
